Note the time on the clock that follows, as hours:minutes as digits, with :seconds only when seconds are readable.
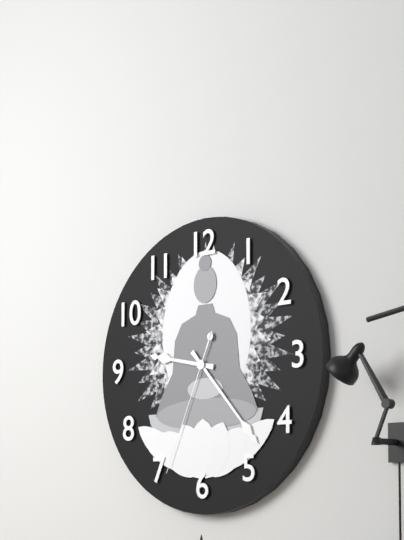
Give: 9:23:34
